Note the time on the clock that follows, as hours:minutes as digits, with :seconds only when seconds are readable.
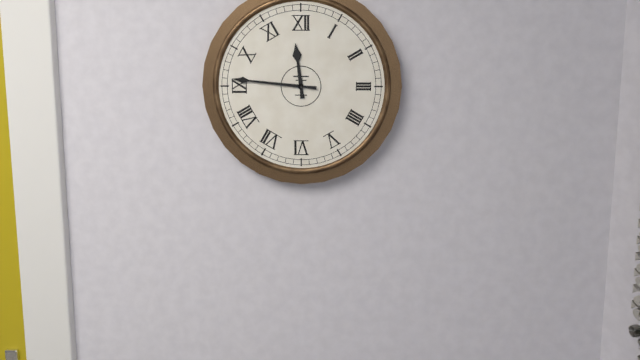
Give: 11:46
